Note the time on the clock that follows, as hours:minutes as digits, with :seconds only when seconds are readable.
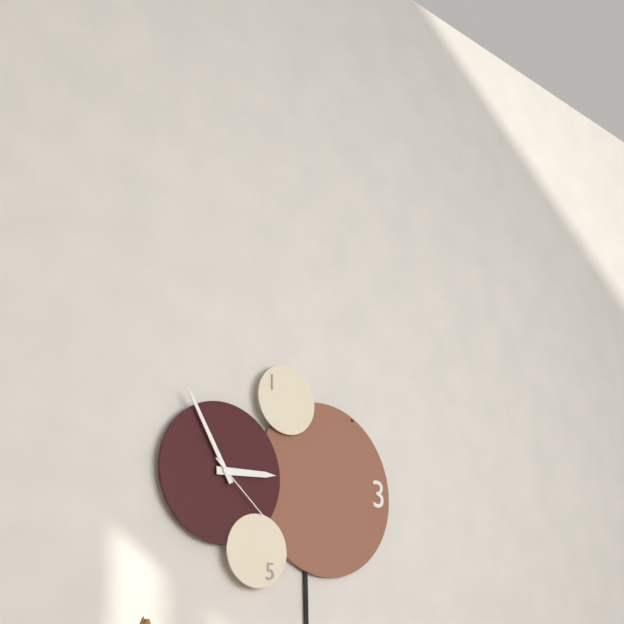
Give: 2:55:22
